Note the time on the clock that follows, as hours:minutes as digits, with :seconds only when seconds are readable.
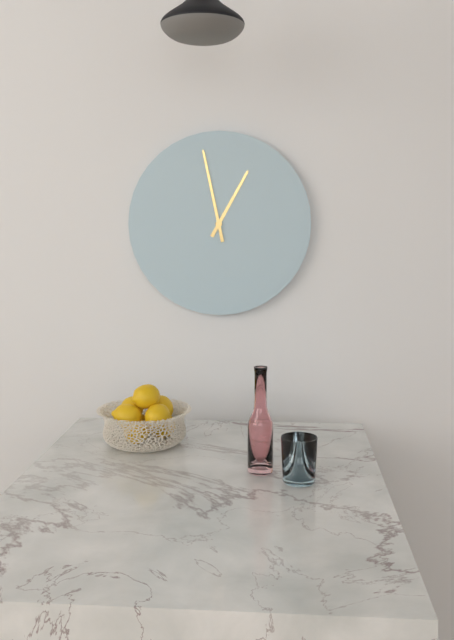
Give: 12:58
